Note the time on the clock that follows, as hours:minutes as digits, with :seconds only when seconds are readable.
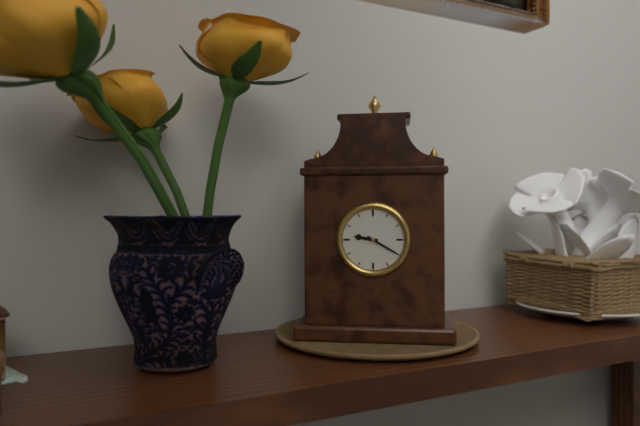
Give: 9:20
